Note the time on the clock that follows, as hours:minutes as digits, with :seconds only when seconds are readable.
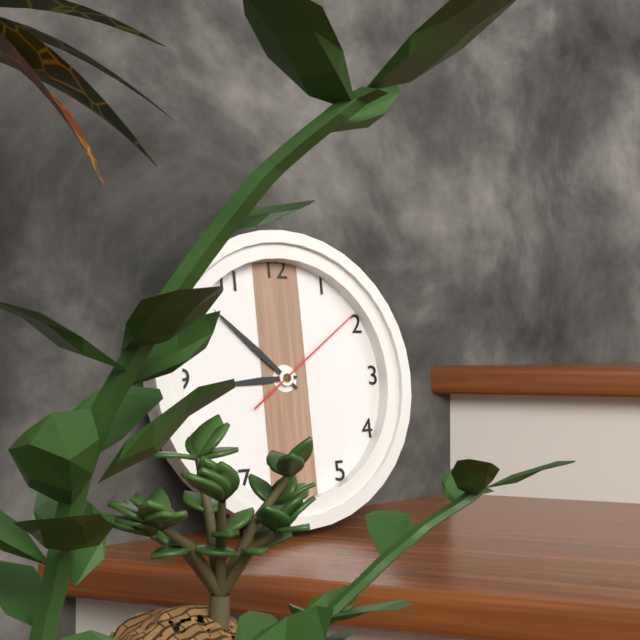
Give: 8:52:09
